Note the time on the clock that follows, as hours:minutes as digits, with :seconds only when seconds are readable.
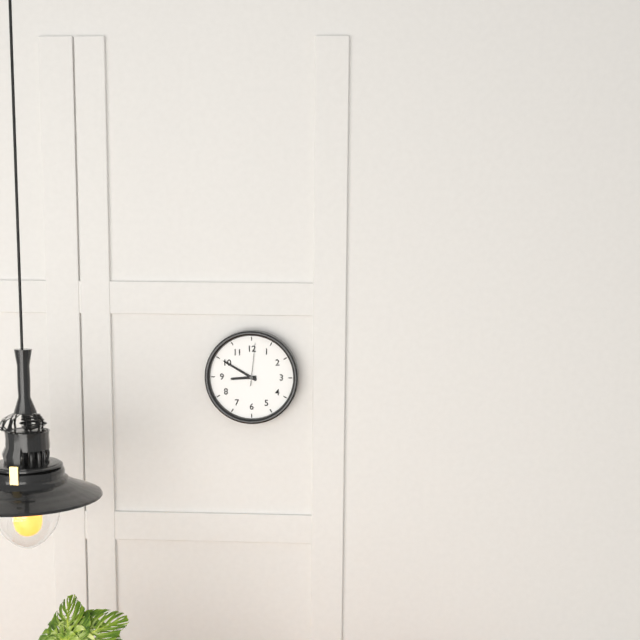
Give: 8:50
